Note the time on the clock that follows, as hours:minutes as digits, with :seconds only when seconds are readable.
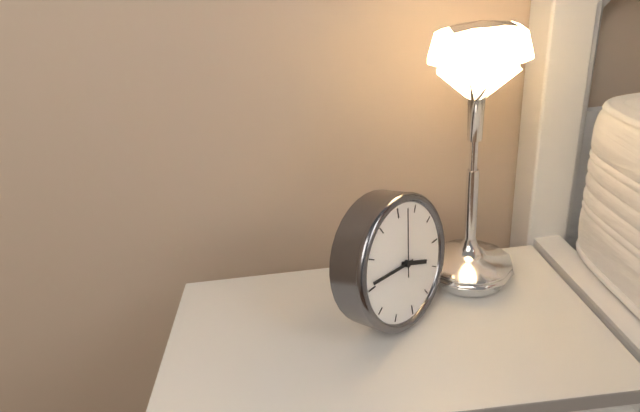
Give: 3:46:02
